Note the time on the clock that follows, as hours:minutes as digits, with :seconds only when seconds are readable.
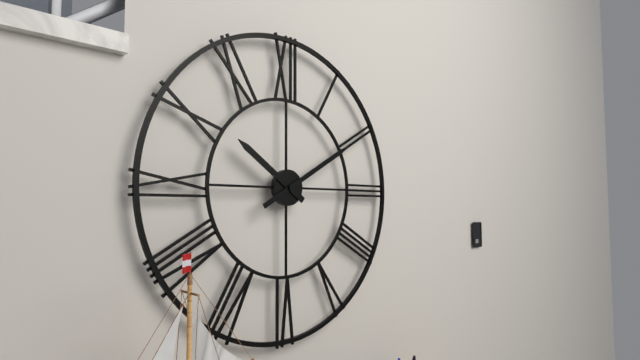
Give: 10:10
